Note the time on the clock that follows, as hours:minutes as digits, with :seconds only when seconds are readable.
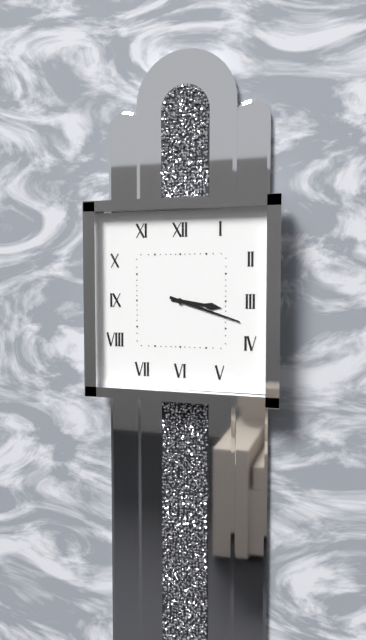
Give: 3:18
